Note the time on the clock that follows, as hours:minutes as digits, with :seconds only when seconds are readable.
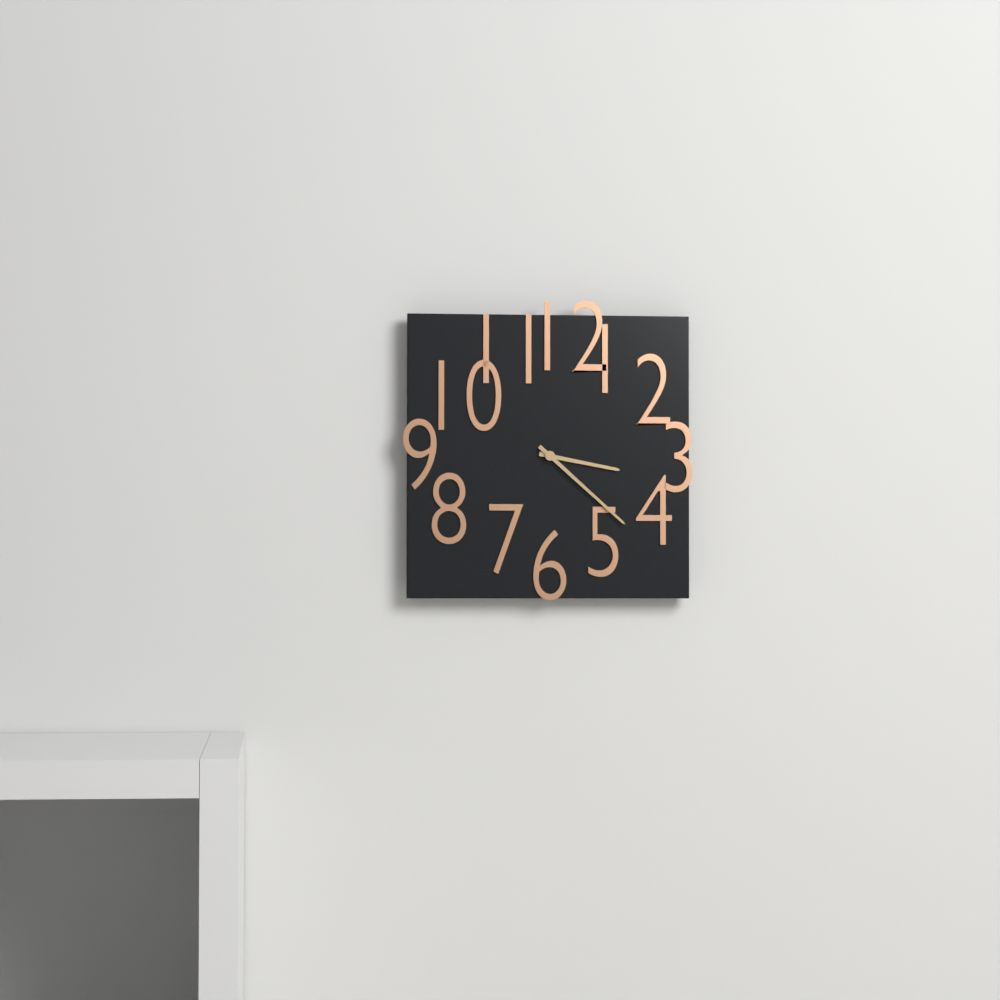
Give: 3:22
